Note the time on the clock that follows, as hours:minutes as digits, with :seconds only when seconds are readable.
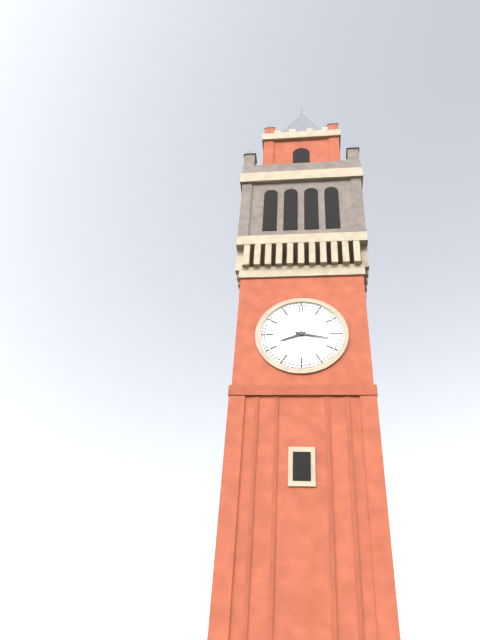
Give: 8:17
